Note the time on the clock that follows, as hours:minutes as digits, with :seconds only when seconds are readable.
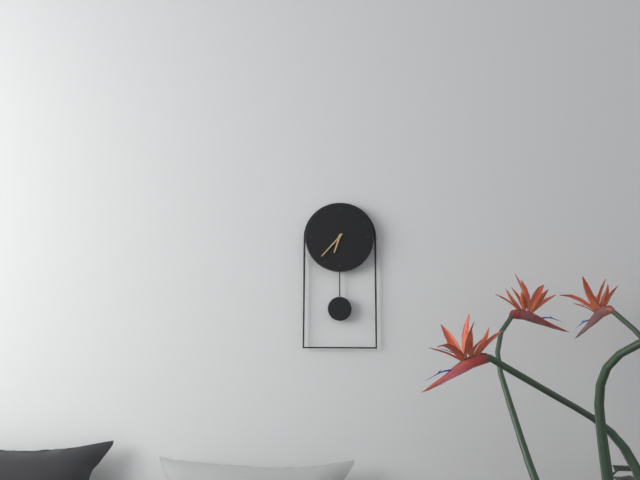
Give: 6:37
